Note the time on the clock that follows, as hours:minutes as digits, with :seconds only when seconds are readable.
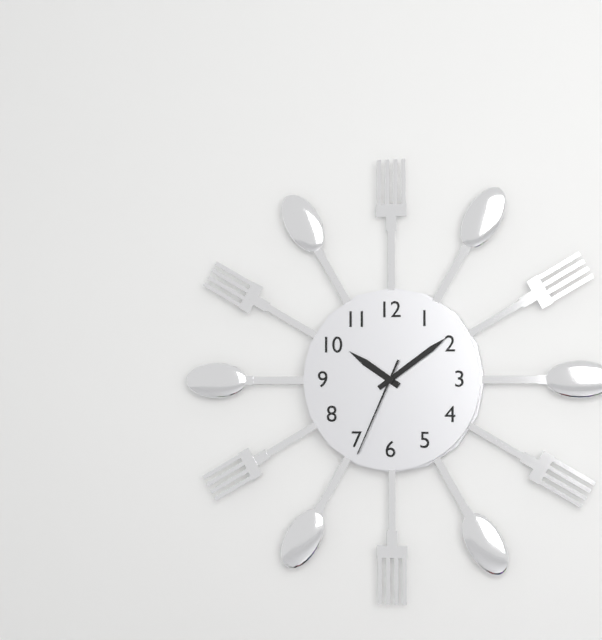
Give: 10:09:34
